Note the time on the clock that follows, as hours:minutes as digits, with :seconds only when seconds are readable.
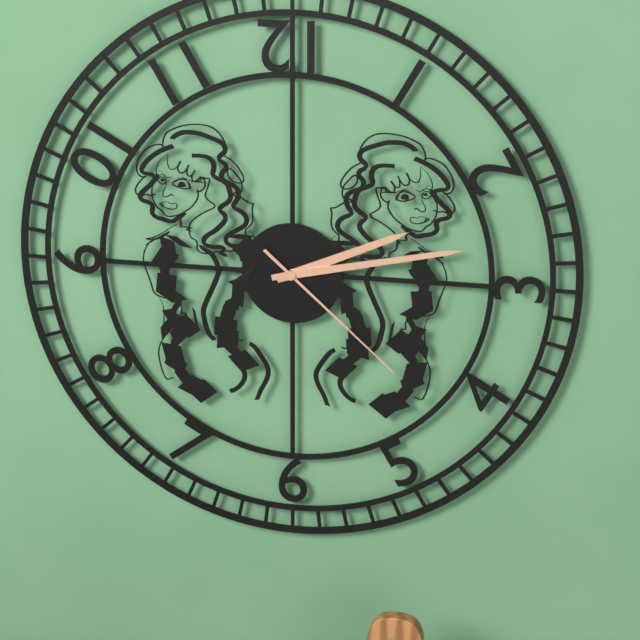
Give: 2:13:22
